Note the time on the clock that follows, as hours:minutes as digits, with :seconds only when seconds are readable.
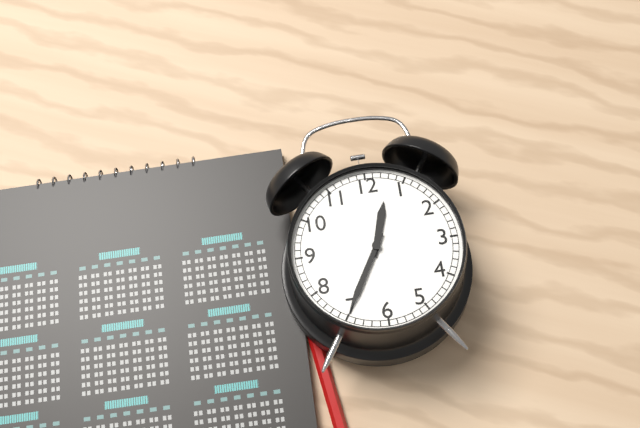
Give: 12:35
